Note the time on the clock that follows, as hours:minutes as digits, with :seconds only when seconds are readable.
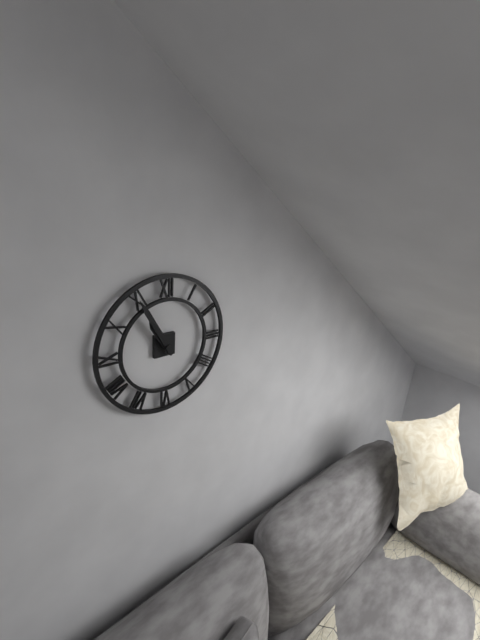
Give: 10:55
